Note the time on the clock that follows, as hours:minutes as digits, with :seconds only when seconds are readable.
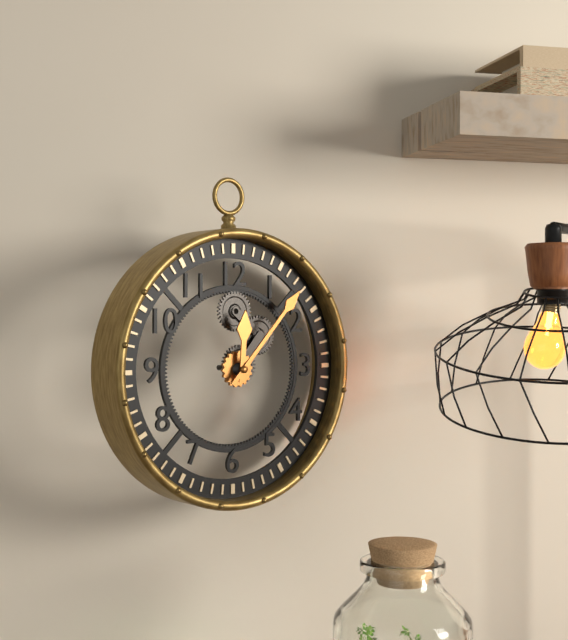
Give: 12:07
